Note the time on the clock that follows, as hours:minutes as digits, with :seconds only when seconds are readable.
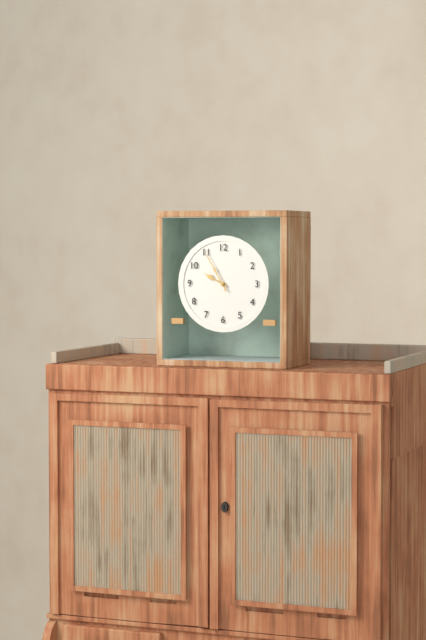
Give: 9:55
